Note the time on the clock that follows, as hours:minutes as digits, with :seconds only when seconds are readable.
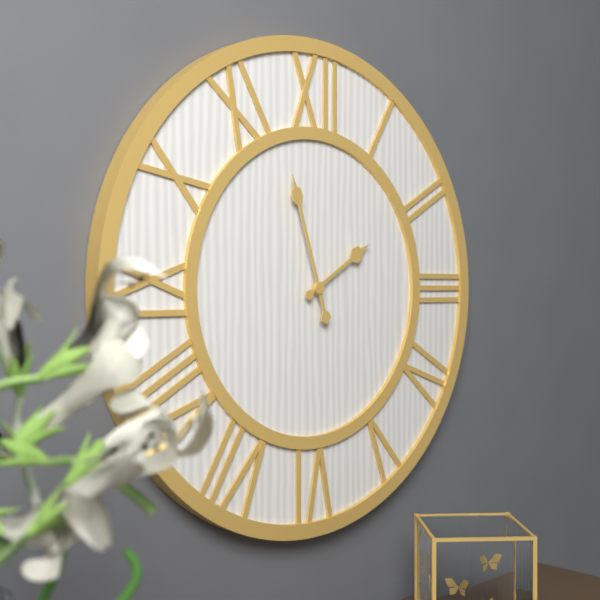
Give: 1:57
